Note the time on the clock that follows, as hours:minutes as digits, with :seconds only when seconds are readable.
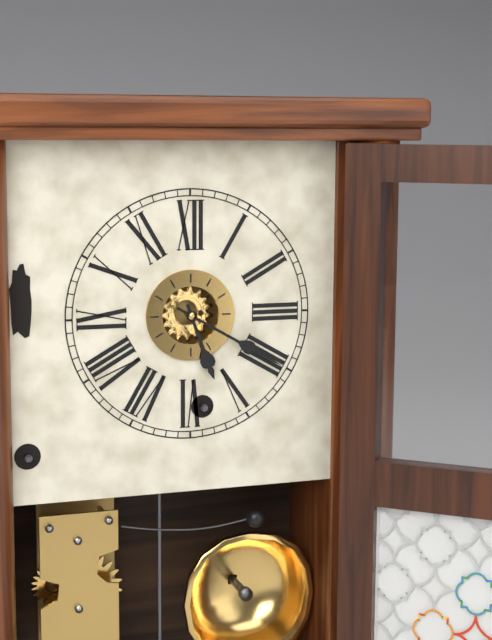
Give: 5:20
